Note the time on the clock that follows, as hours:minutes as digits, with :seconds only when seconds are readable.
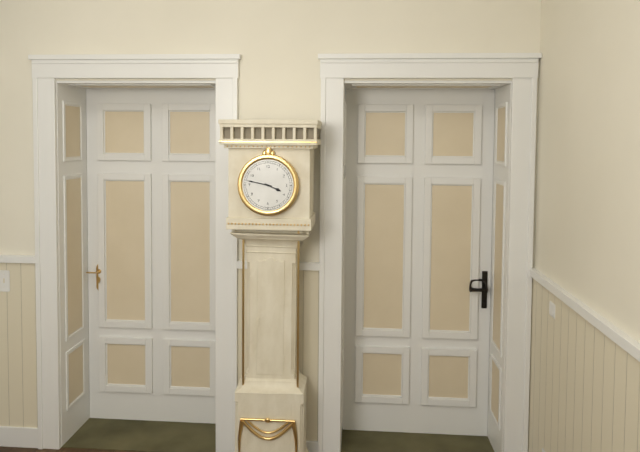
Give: 3:47
